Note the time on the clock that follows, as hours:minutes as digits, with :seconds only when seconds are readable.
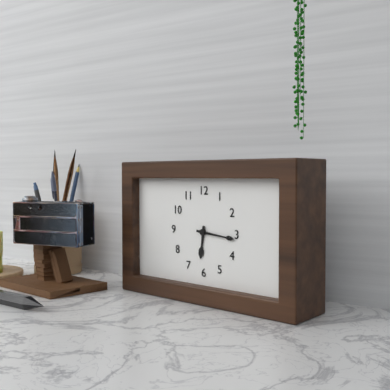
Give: 6:16
